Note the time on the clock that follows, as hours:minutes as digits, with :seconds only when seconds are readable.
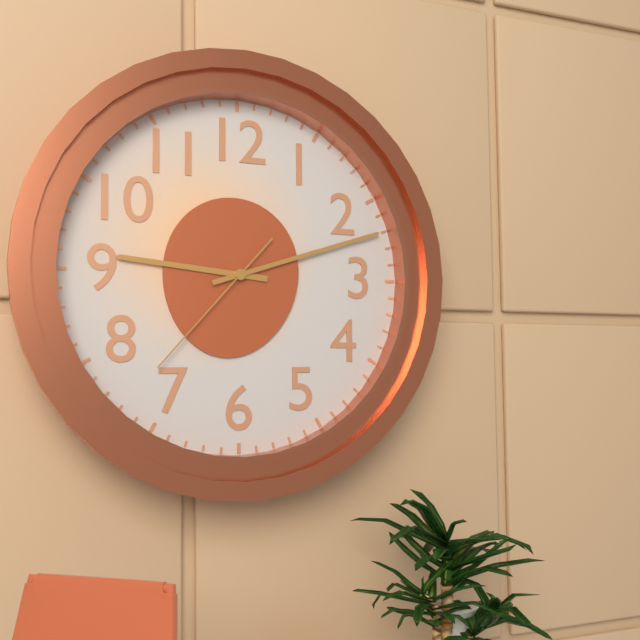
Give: 9:12:37
